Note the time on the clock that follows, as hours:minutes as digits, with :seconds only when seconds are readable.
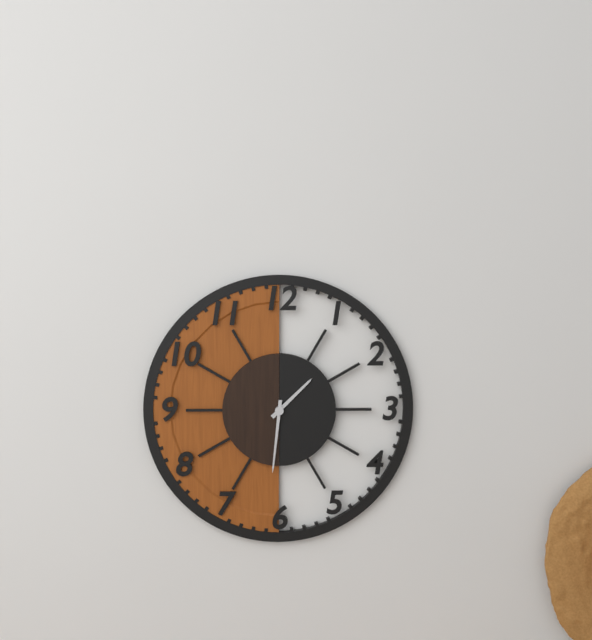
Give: 1:31
